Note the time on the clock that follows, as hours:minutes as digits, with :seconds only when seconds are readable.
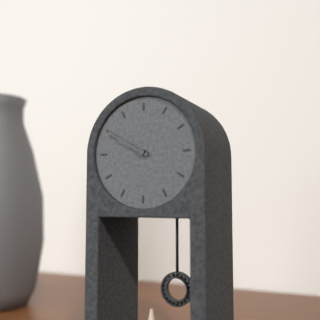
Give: 9:50
